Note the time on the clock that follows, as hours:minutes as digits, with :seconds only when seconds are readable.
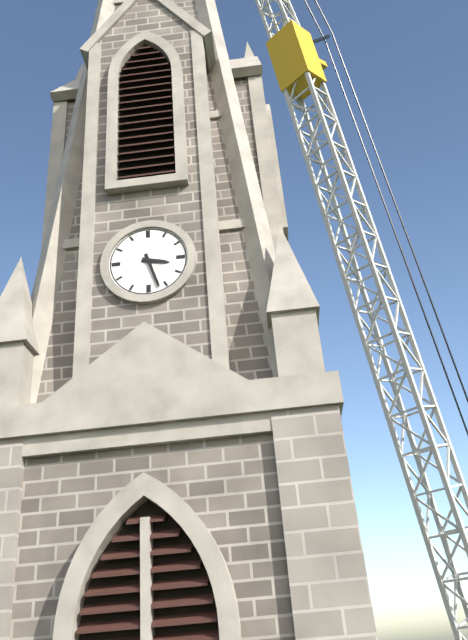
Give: 3:27
